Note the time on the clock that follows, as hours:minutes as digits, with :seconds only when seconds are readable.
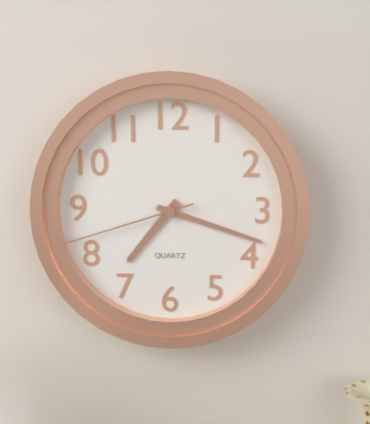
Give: 7:18:42
